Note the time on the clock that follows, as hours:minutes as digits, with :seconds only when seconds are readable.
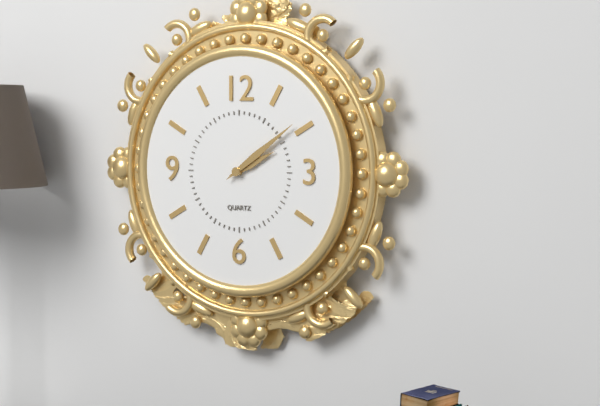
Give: 2:09
